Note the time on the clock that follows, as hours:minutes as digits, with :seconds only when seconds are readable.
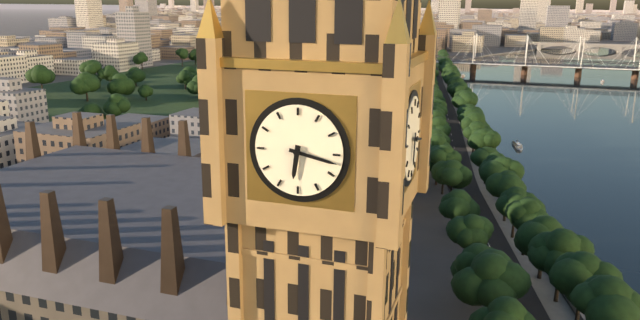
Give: 6:17
